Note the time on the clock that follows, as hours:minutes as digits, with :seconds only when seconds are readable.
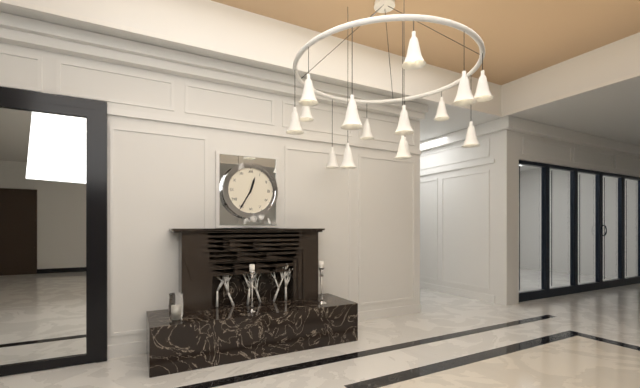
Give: 12:35
